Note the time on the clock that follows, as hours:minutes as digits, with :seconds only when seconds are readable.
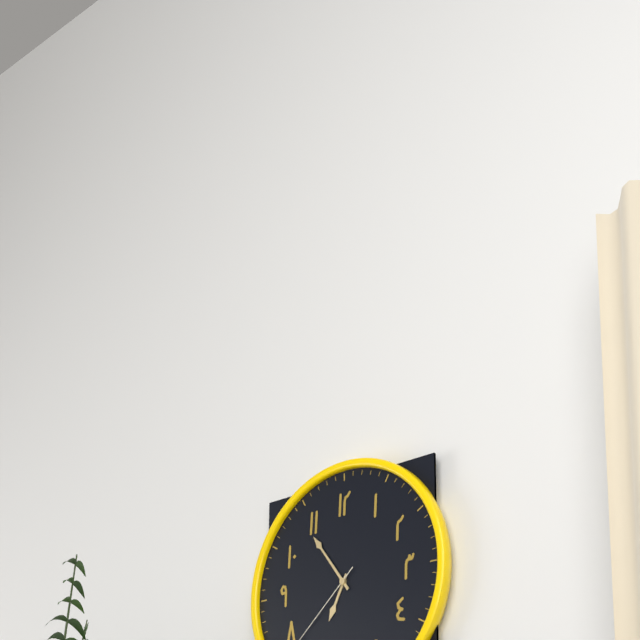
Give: 6:54
